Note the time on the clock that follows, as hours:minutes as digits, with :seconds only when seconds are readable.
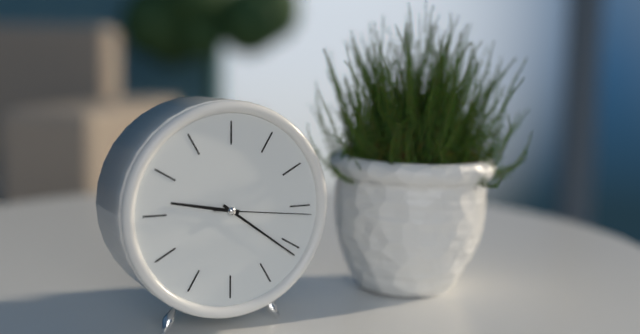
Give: 9:21:16
